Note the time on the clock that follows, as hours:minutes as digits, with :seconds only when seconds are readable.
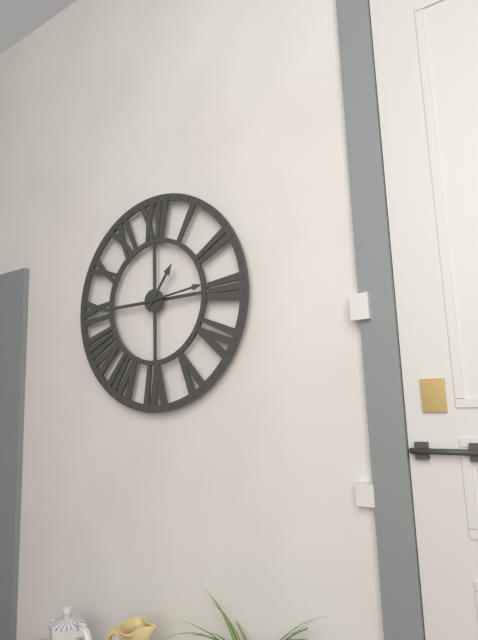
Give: 1:14
